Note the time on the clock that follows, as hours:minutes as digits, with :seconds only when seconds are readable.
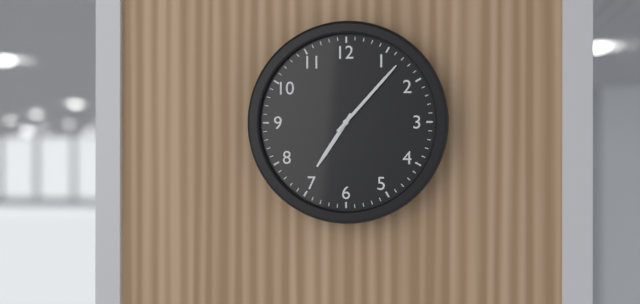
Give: 7:07
